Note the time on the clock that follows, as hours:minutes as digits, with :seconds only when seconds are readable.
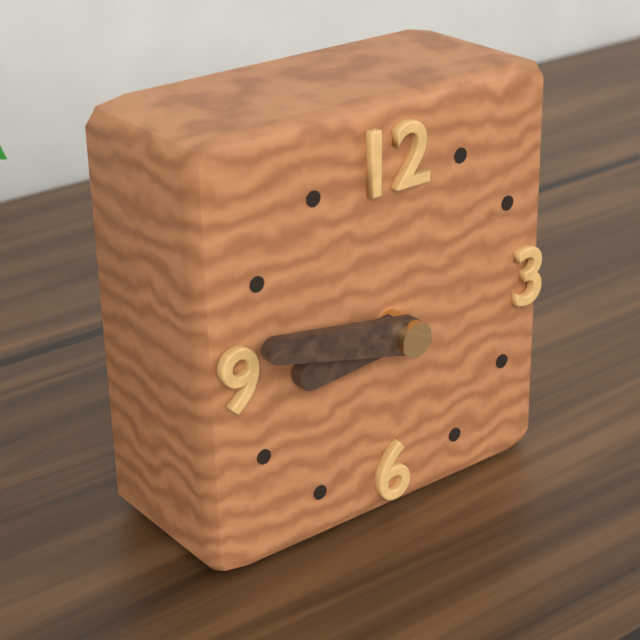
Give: 8:47
